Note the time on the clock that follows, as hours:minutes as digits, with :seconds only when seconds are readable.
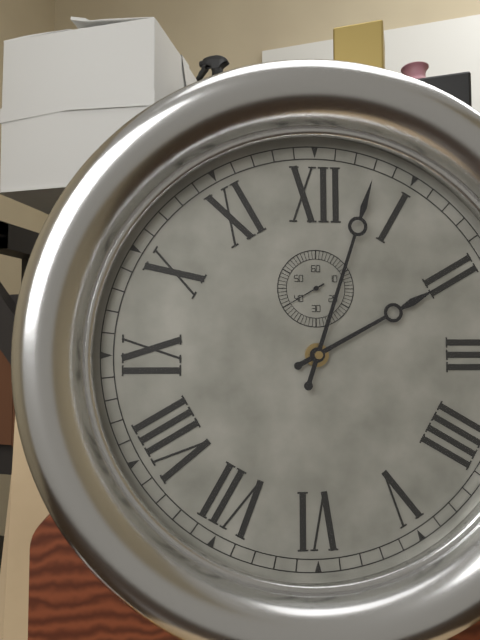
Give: 2:03
